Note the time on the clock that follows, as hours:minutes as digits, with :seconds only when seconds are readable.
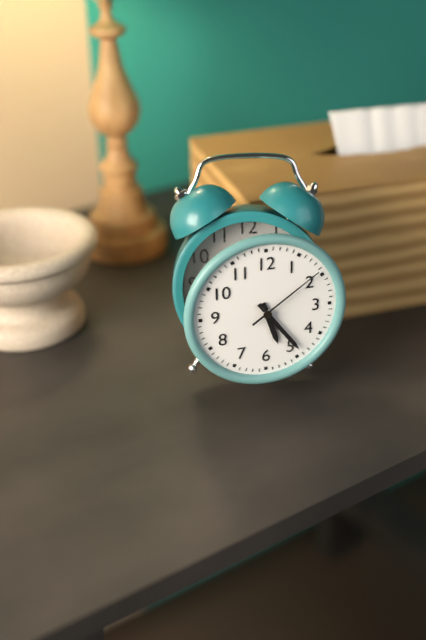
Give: 5:24:09
